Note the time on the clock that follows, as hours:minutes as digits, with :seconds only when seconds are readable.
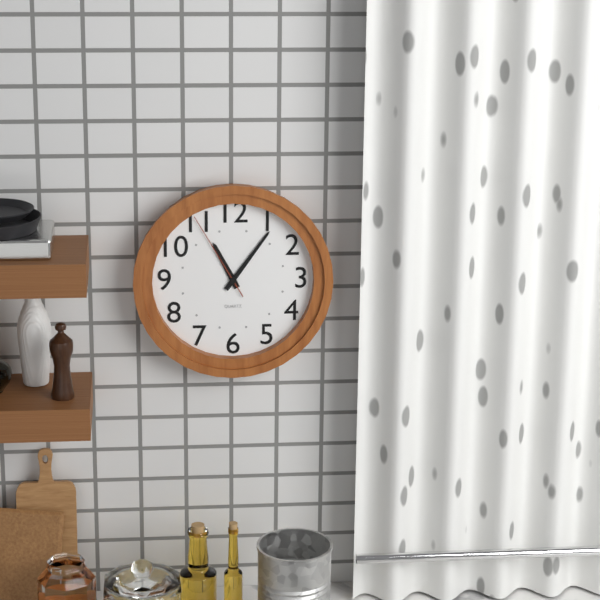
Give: 11:06:55
